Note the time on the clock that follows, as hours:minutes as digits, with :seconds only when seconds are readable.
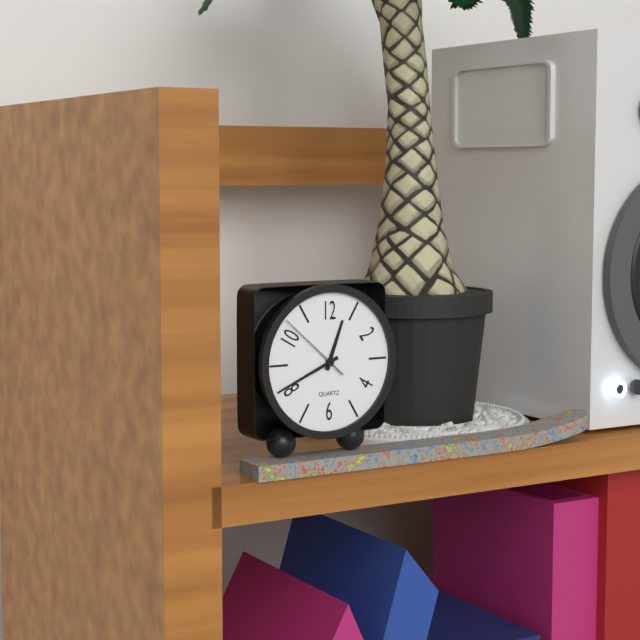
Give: 12:41:52
